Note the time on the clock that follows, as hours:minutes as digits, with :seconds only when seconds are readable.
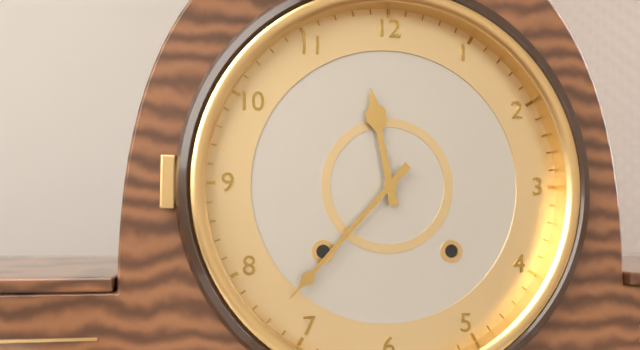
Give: 11:37
